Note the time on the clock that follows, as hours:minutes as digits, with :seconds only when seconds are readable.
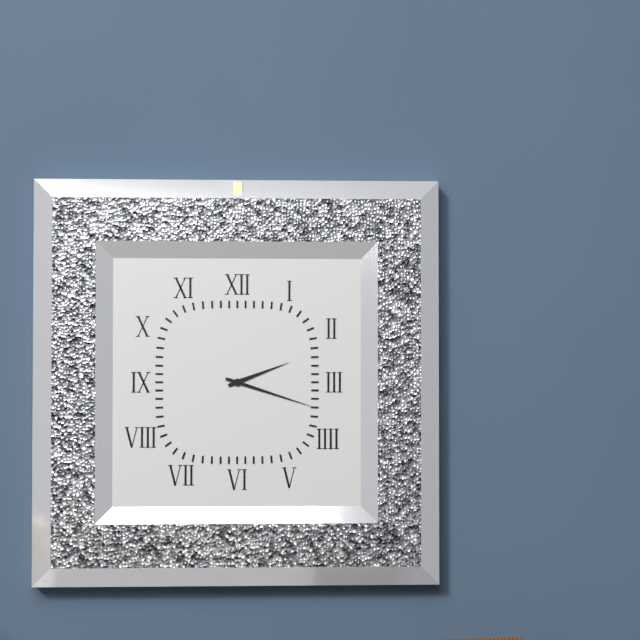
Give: 2:18
